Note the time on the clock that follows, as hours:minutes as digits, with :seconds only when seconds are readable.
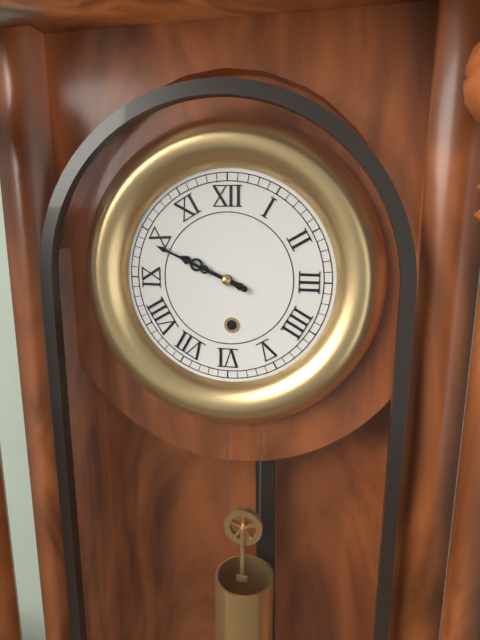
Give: 9:49
